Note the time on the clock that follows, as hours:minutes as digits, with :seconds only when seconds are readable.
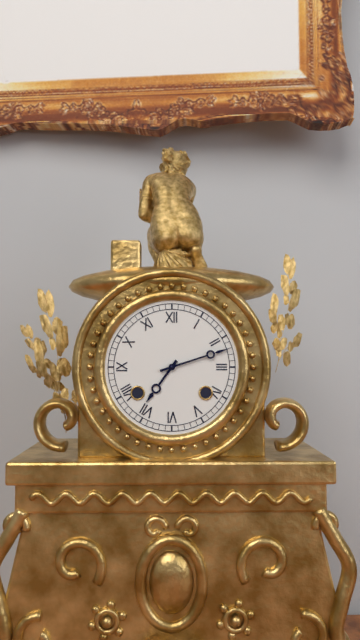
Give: 7:12
